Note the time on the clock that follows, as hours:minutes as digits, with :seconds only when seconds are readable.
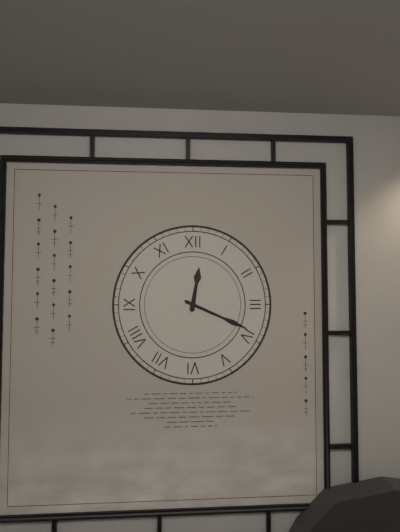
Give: 12:19
